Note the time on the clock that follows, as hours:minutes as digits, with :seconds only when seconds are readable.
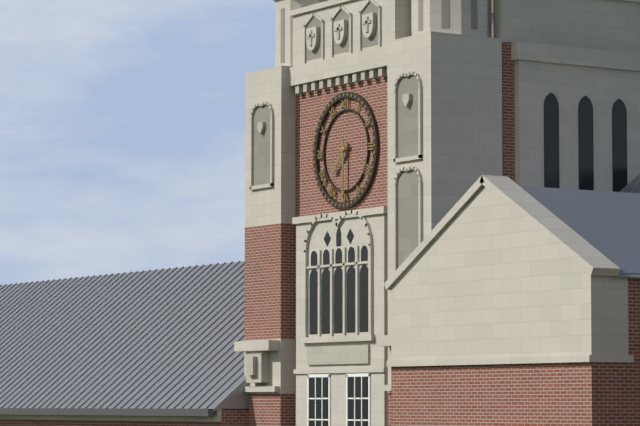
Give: 7:30
